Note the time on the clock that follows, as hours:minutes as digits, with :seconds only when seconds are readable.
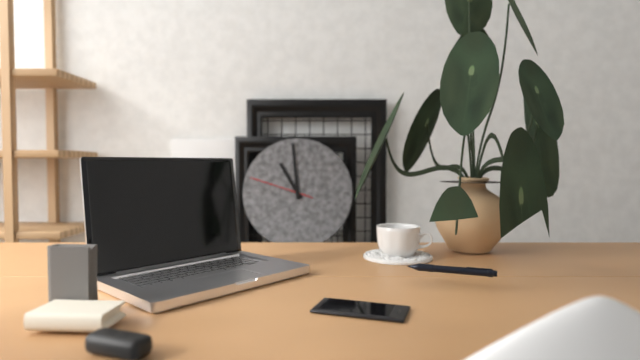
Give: 10:59:48
